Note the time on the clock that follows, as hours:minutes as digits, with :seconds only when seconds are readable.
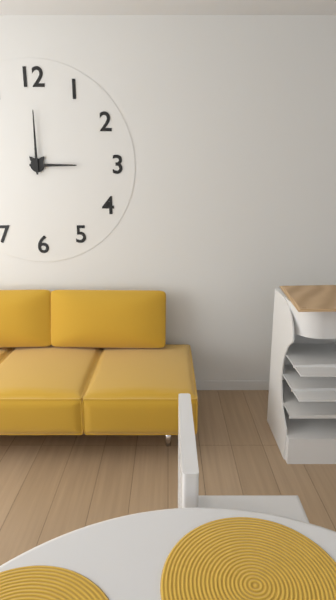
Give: 3:00
